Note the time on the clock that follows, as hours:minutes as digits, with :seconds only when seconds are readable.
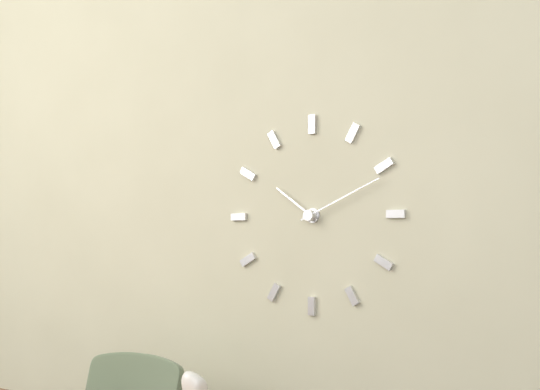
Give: 10:11
